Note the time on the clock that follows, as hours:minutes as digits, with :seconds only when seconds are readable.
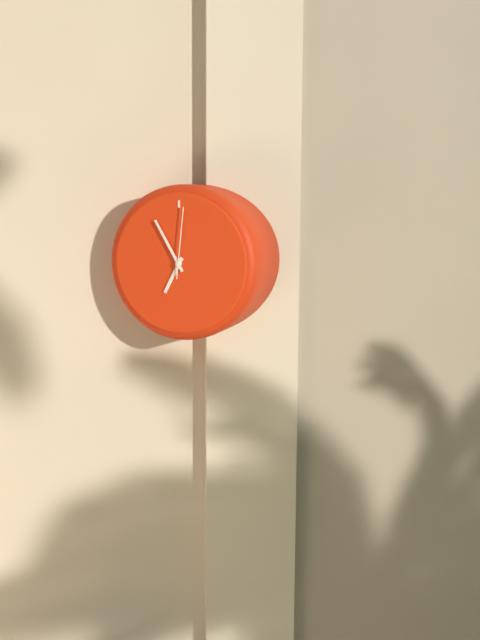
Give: 6:55:01
